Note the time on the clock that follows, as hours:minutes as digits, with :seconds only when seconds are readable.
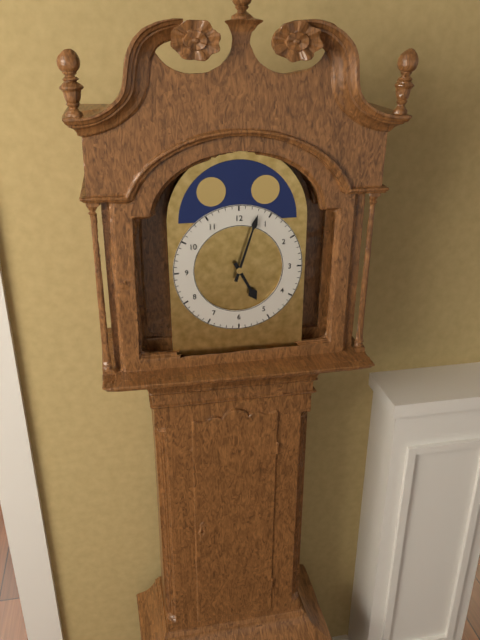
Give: 5:03
